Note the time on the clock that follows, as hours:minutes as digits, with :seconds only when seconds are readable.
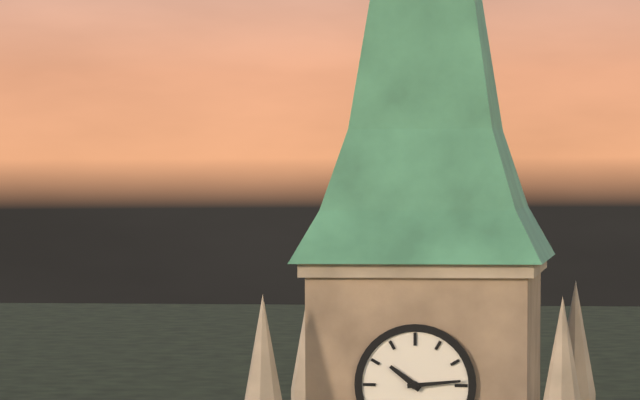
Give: 10:14
